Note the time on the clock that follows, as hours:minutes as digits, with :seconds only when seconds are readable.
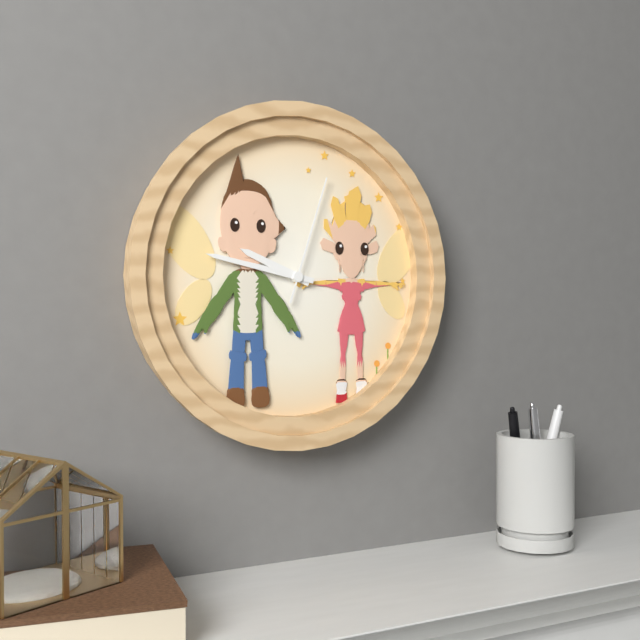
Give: 9:47:03
